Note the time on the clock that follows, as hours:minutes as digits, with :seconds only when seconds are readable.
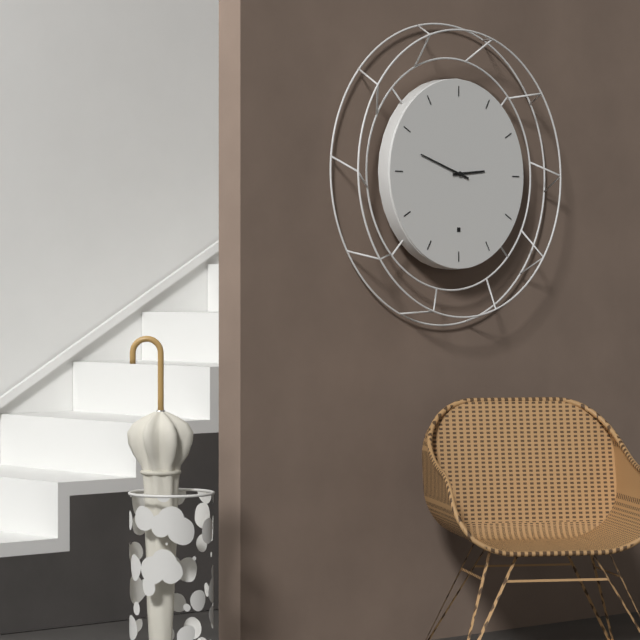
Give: 2:48
